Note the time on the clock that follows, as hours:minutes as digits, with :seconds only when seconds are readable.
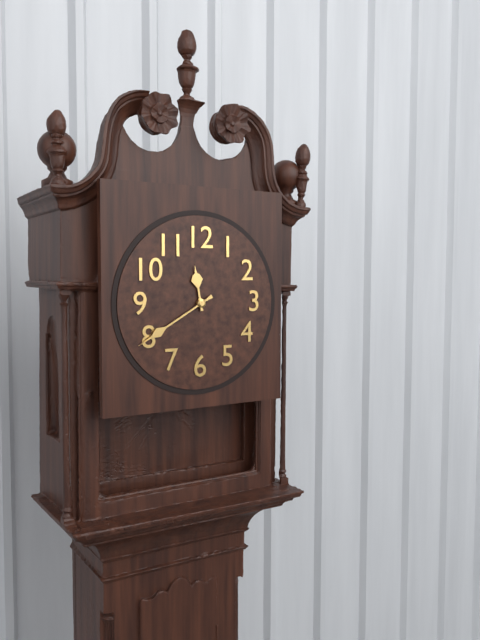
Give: 11:40
